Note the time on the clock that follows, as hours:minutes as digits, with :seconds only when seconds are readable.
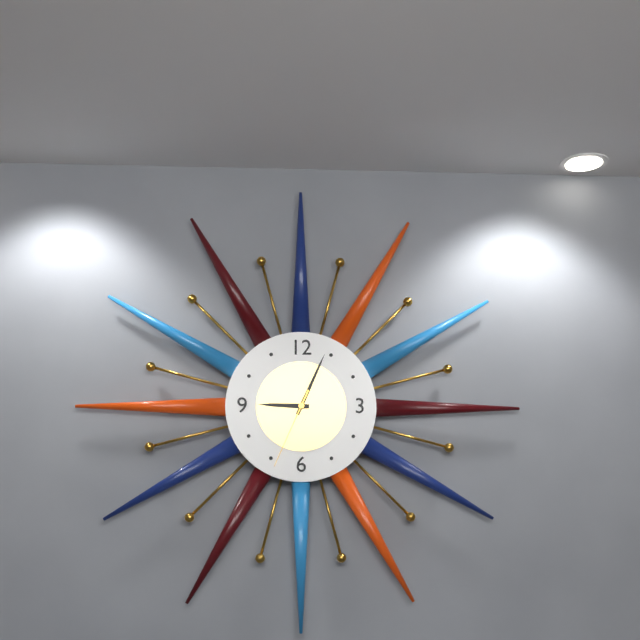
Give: 9:04:34
